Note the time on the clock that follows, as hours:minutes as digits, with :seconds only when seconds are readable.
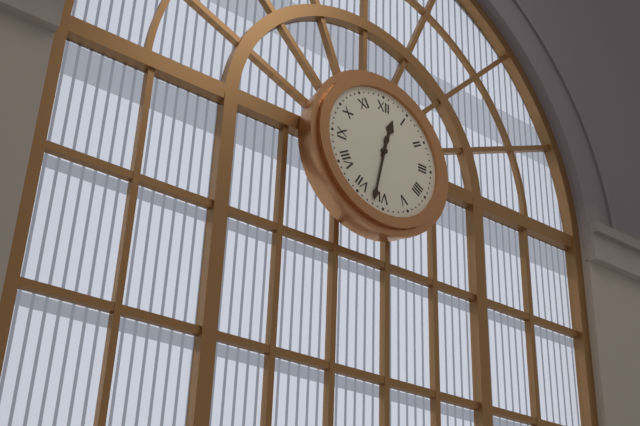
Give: 12:32
